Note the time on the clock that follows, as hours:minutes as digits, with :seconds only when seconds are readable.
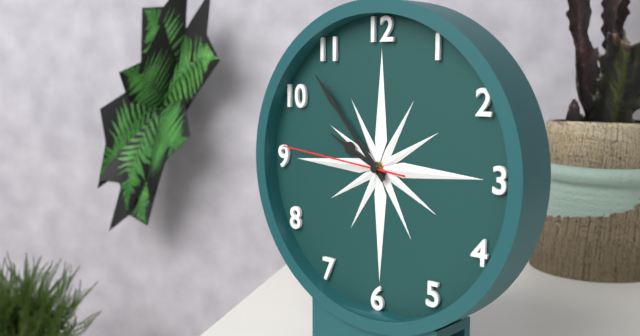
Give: 9:53:46
